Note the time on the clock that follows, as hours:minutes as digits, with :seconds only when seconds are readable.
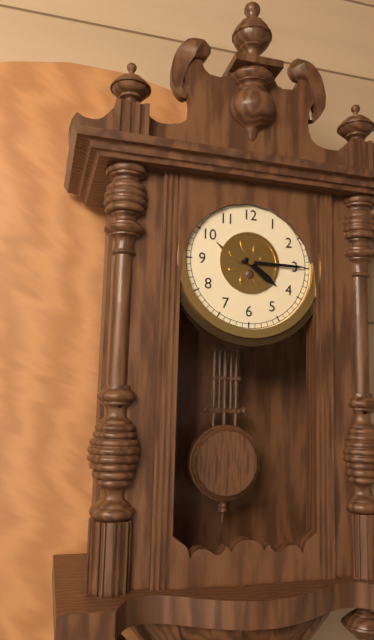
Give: 4:15
